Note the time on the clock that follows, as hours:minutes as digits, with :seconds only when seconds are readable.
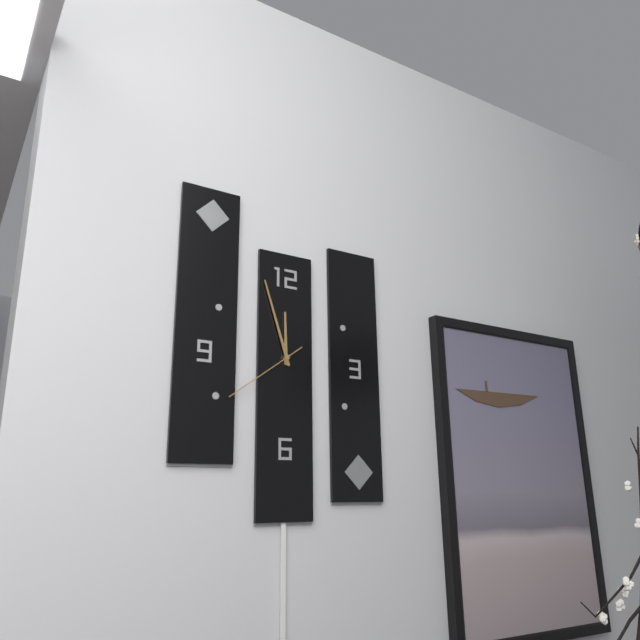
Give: 11:57:39
